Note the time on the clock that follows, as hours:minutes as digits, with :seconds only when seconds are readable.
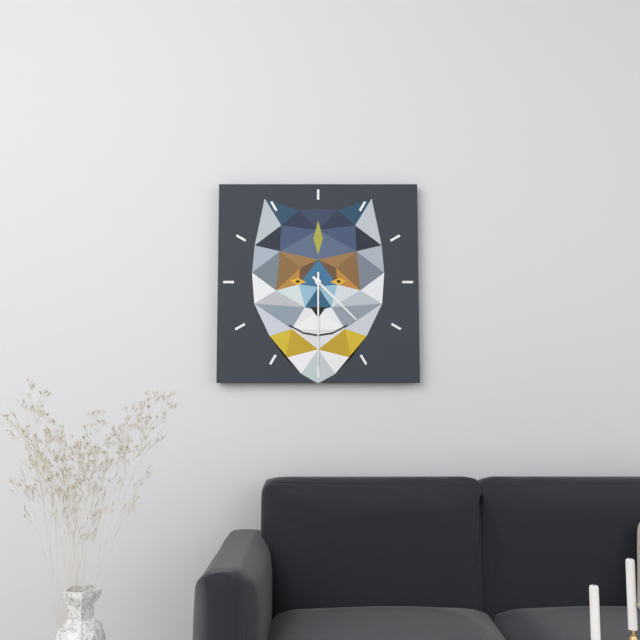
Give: 4:30
